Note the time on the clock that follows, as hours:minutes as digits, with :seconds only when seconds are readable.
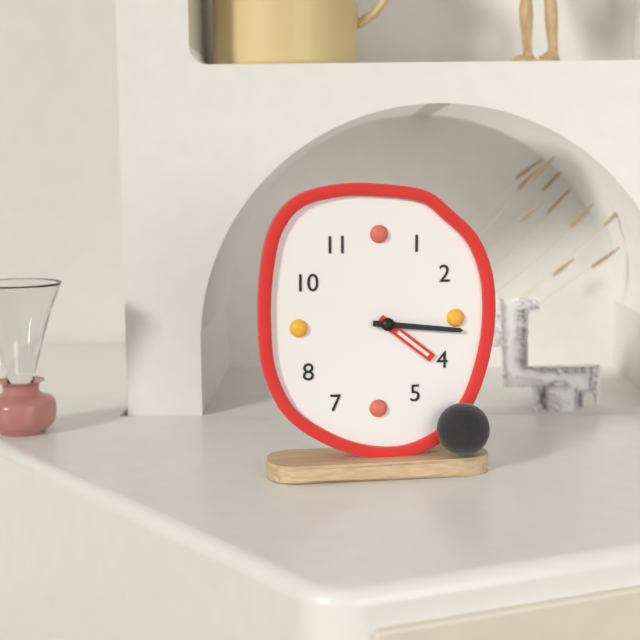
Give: 4:16
